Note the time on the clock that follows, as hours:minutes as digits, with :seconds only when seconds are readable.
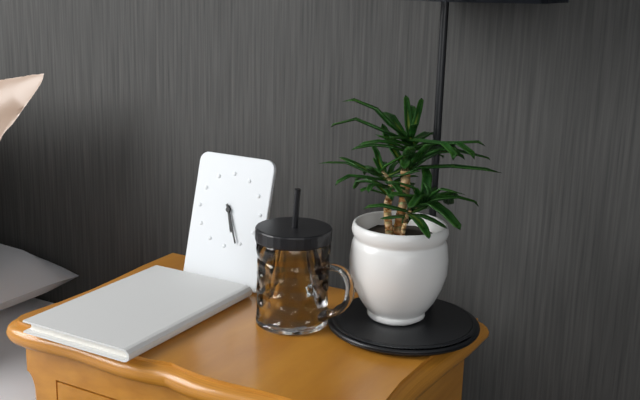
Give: 5:26
